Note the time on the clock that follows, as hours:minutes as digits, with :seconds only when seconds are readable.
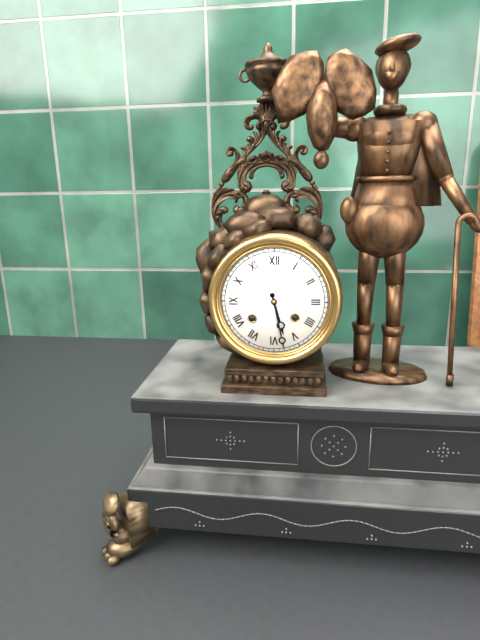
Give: 5:28
